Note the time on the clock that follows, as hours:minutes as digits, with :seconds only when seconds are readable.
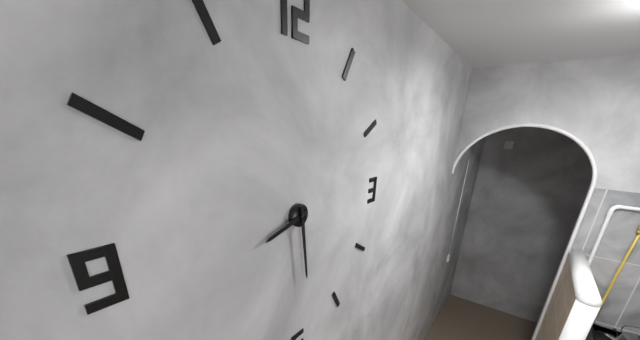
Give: 8:29
